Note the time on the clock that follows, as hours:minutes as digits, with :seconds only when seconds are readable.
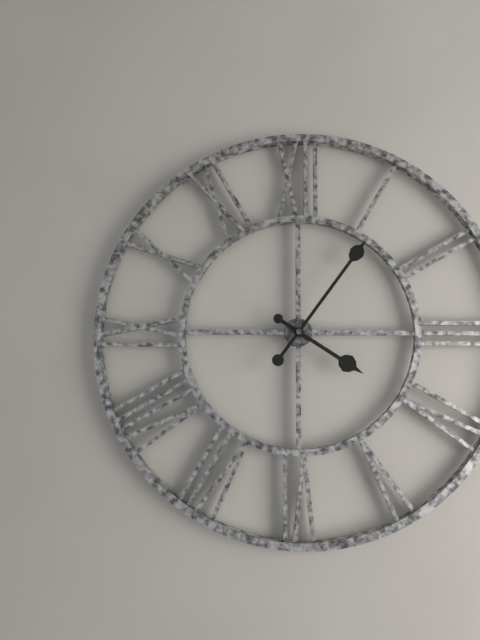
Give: 4:06
